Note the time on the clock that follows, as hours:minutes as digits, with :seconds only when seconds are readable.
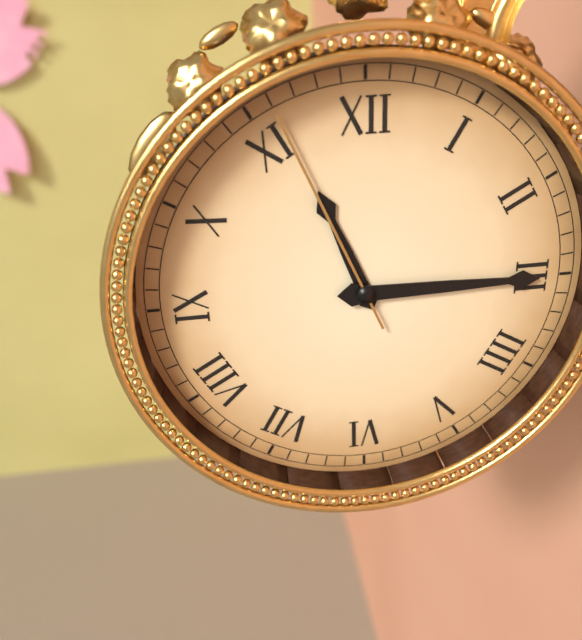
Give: 11:15:56
